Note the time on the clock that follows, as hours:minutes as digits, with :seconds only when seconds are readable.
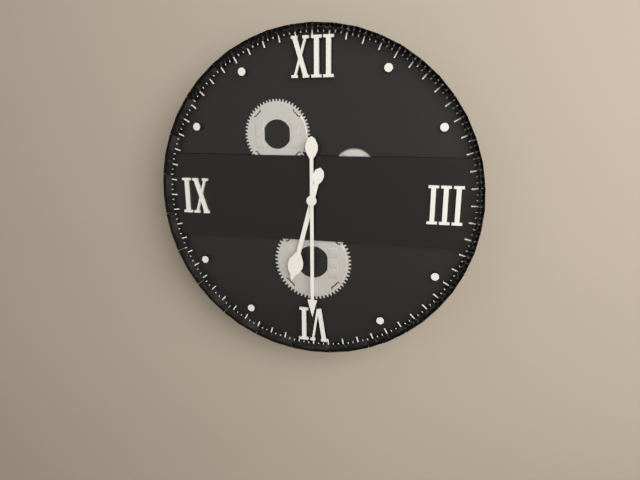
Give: 6:30
